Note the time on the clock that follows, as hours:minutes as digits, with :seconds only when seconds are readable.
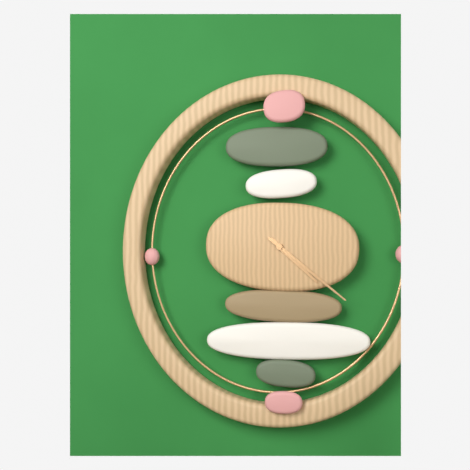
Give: 4:21
